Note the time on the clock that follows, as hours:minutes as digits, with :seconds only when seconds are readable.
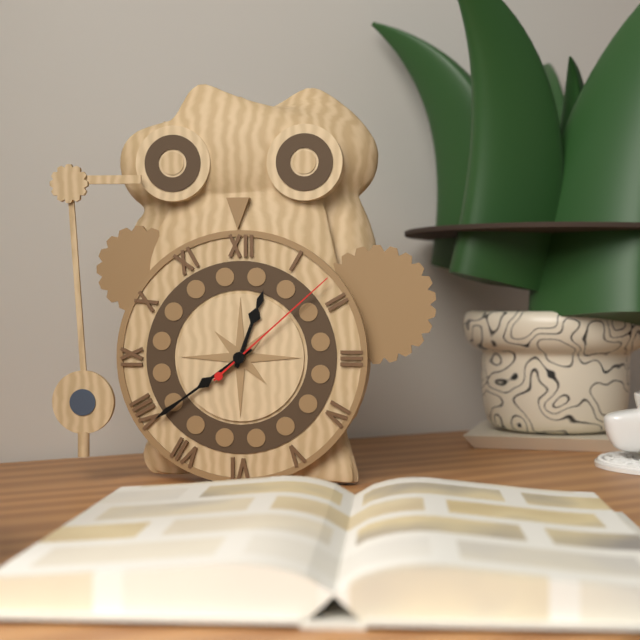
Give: 12:39:08
